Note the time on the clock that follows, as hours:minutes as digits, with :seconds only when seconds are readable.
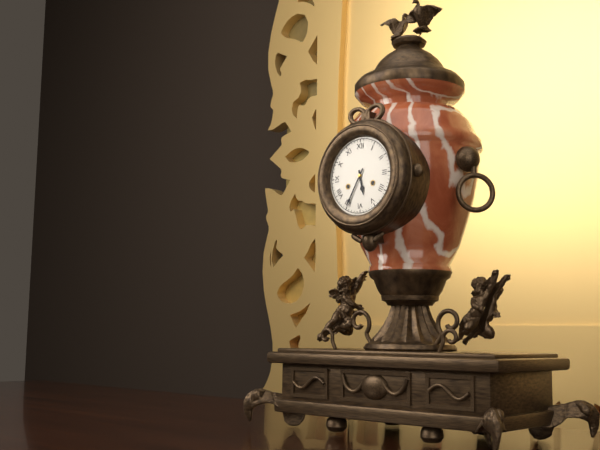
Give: 5:35
